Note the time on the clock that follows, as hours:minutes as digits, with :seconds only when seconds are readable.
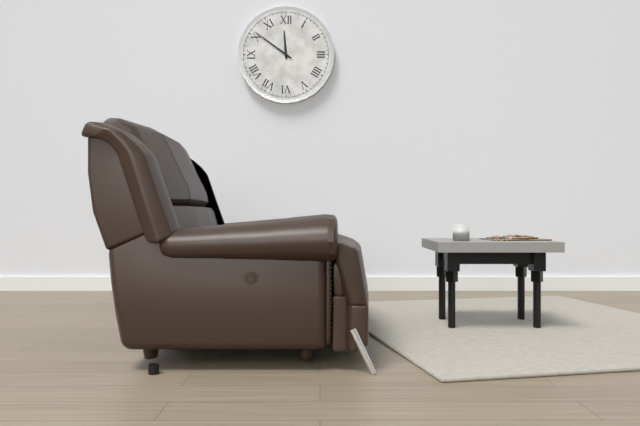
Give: 11:51
